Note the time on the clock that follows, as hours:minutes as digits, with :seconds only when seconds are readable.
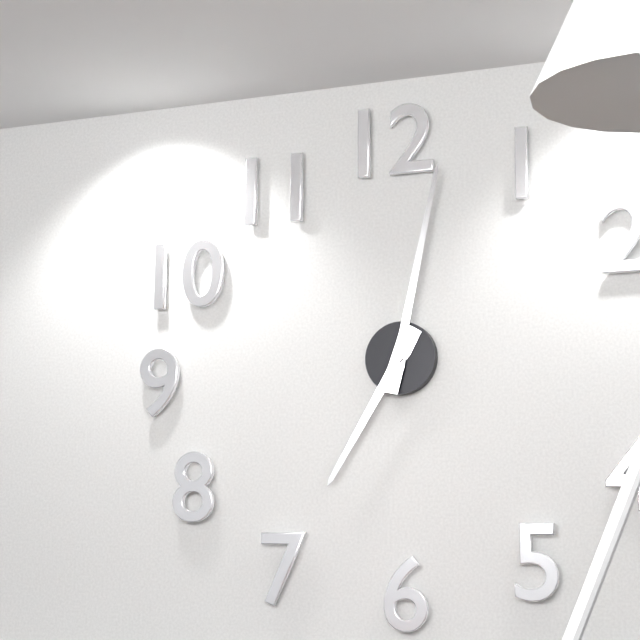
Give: 7:02
